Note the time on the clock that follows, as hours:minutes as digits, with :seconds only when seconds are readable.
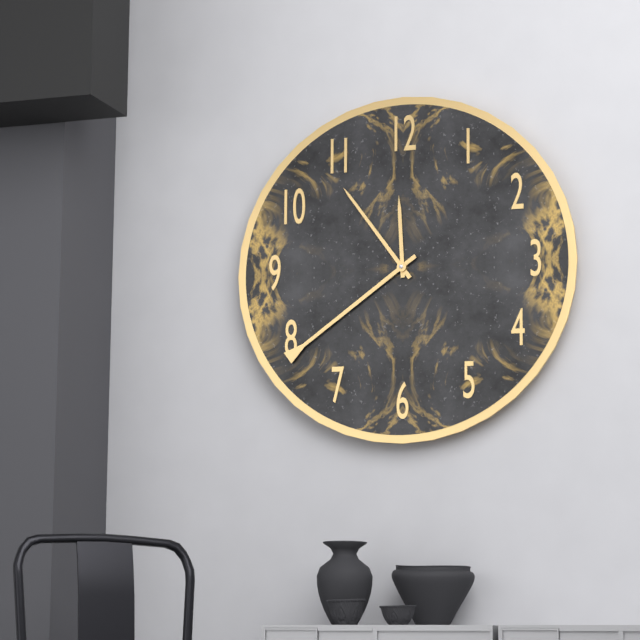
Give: 11:54:39
